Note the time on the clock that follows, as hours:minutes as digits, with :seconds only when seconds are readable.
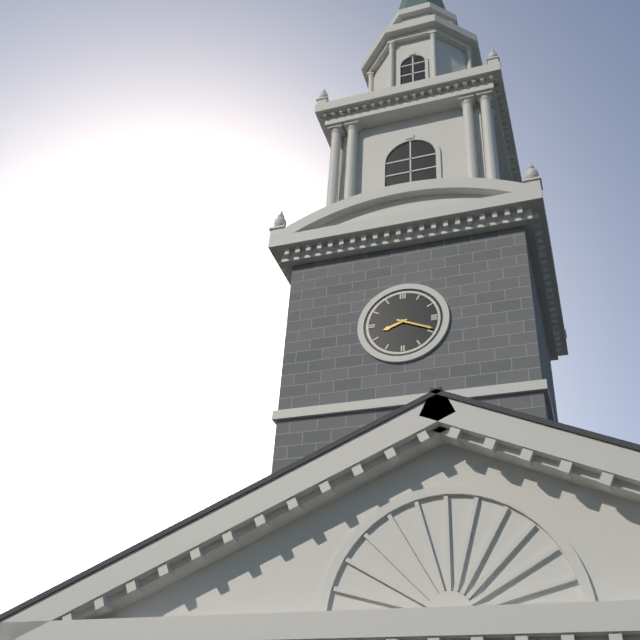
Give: 8:19
